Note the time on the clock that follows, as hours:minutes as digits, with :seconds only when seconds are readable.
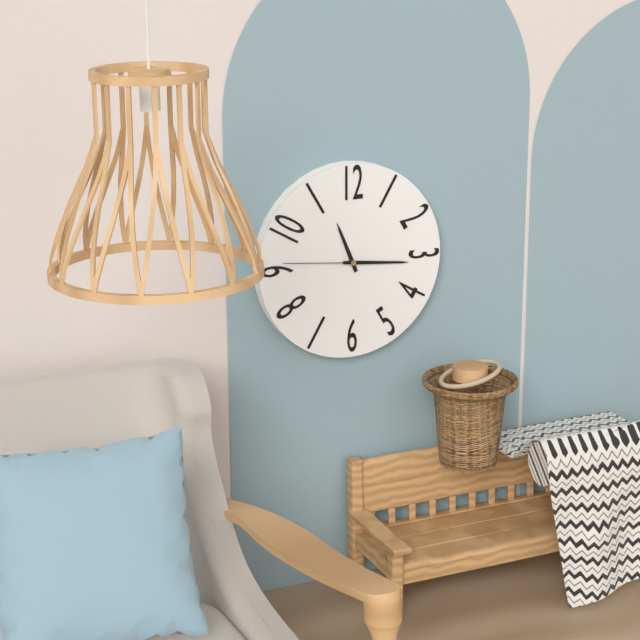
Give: 11:16:46
